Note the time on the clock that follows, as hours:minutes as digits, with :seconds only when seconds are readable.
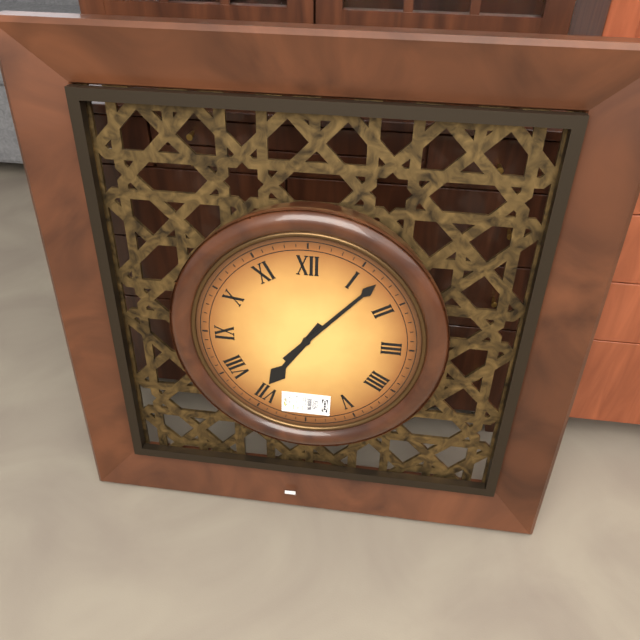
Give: 7:07
